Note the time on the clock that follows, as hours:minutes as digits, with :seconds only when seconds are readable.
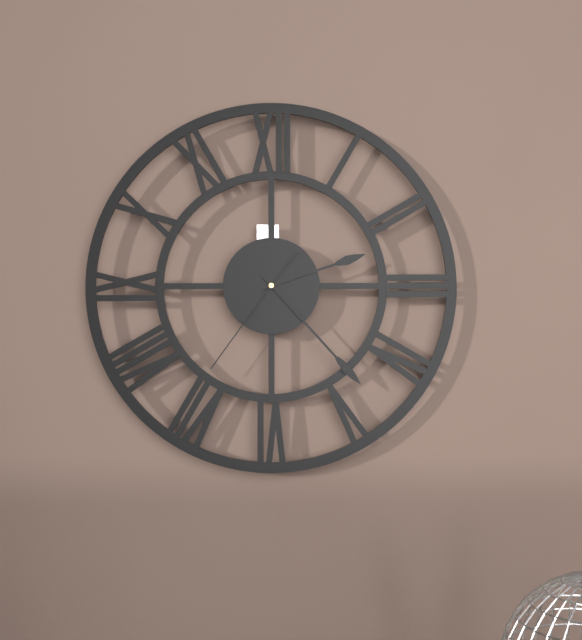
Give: 2:23:36
